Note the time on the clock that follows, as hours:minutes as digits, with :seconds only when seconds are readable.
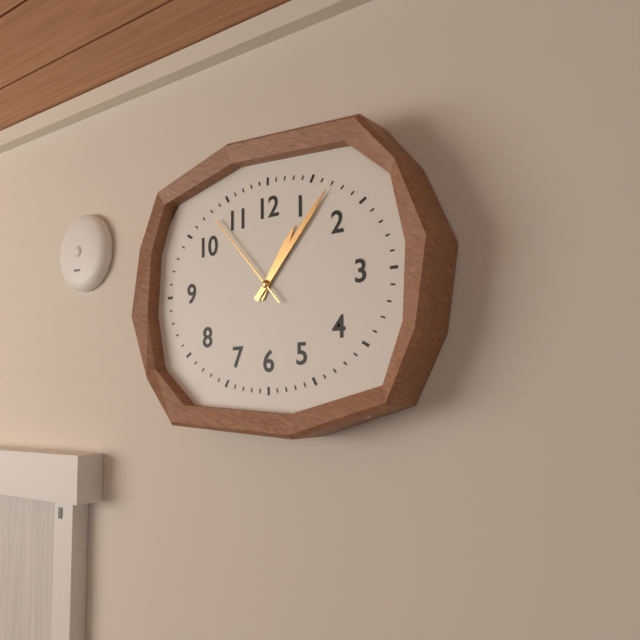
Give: 1:07:53
